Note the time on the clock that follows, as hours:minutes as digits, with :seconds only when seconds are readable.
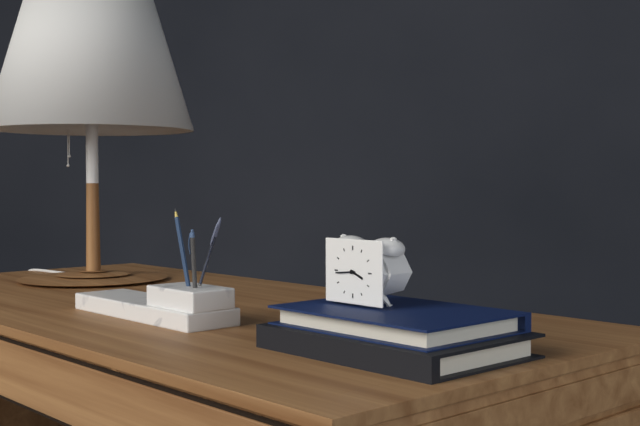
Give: 3:44
